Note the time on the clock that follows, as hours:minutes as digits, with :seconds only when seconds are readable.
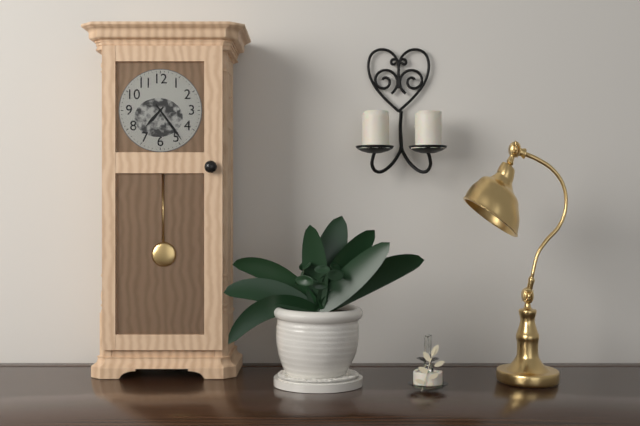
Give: 7:24
